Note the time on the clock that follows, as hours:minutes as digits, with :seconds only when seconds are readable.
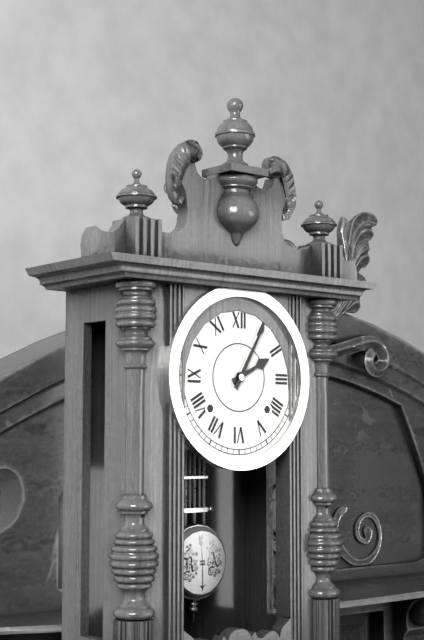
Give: 2:05
